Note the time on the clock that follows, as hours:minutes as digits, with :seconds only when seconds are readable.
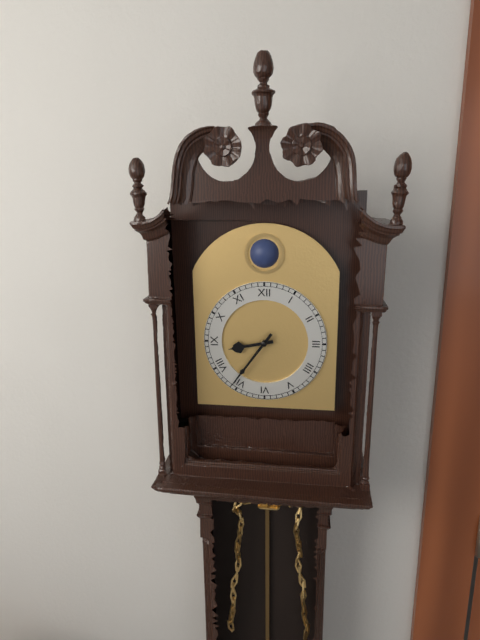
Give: 8:36
